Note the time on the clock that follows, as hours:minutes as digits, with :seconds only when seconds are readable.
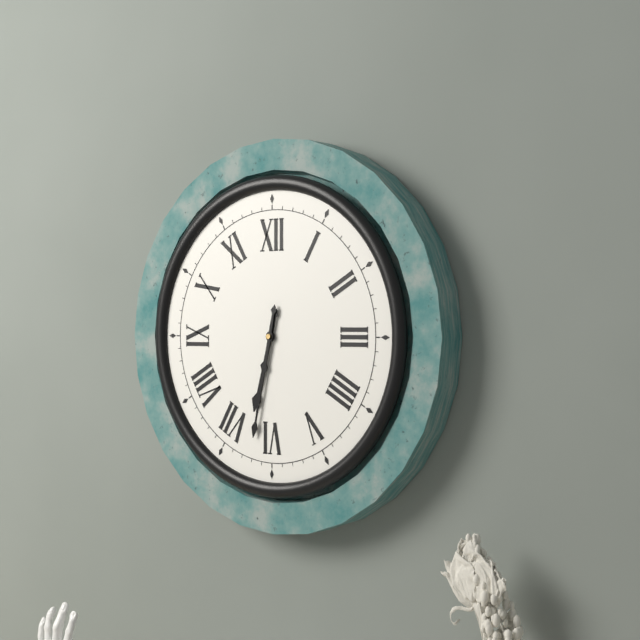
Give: 6:32
